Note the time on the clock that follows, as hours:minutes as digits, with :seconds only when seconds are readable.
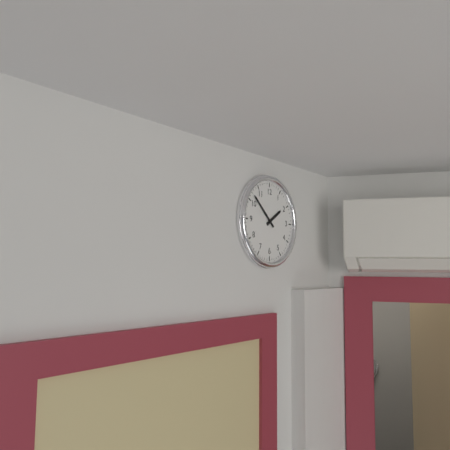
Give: 1:52
